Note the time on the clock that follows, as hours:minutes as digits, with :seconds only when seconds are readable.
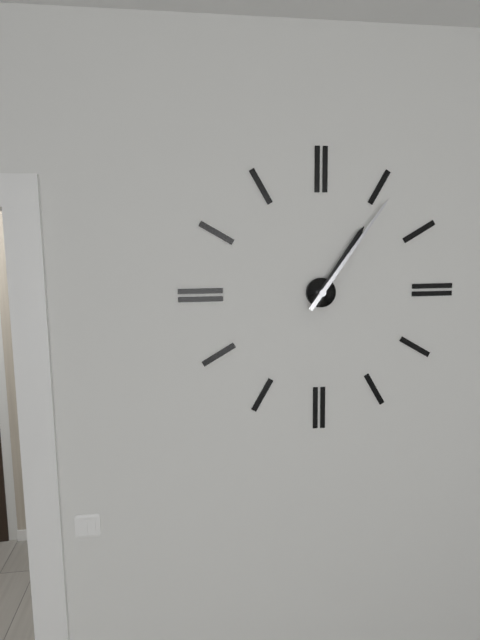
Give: 1:06
